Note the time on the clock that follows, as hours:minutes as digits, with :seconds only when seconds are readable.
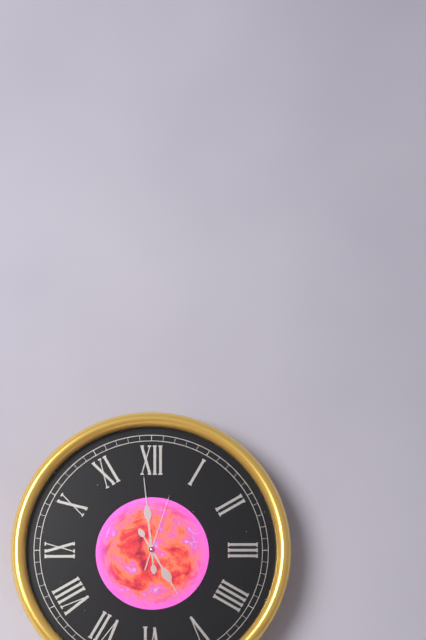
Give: 4:59:03
